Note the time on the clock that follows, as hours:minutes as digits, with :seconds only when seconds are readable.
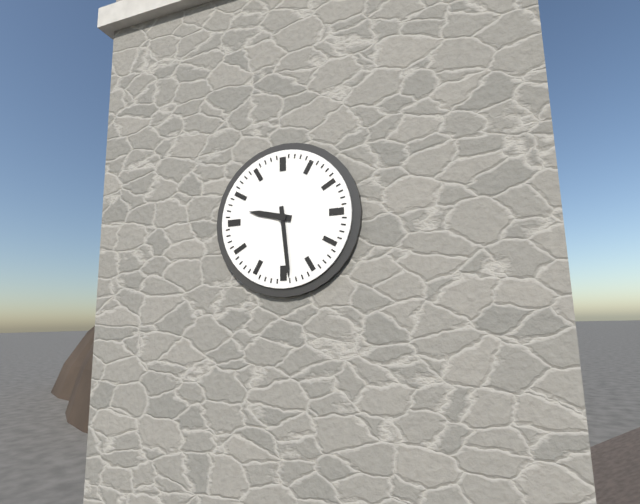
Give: 9:29
